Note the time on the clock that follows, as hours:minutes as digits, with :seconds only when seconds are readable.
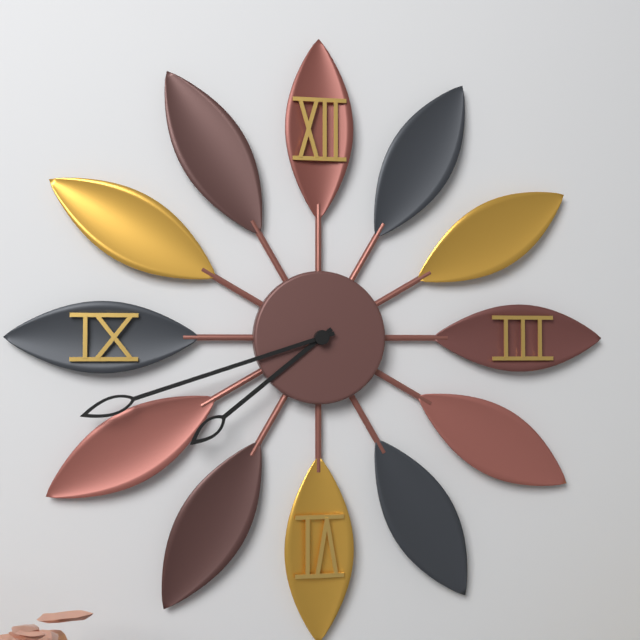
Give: 7:42
